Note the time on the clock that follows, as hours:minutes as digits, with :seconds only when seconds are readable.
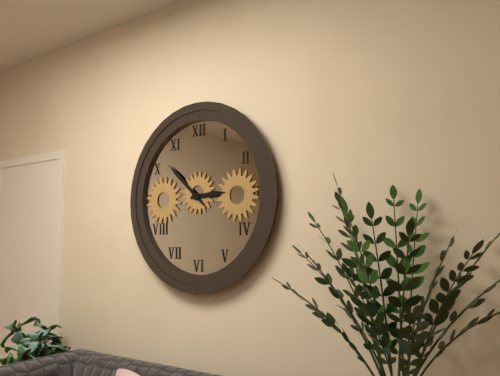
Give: 2:52
